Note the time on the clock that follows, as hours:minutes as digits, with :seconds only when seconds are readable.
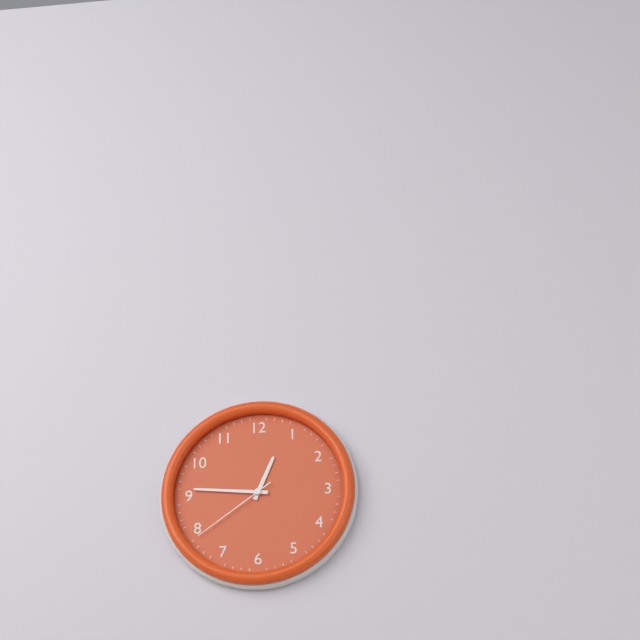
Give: 12:46:39
